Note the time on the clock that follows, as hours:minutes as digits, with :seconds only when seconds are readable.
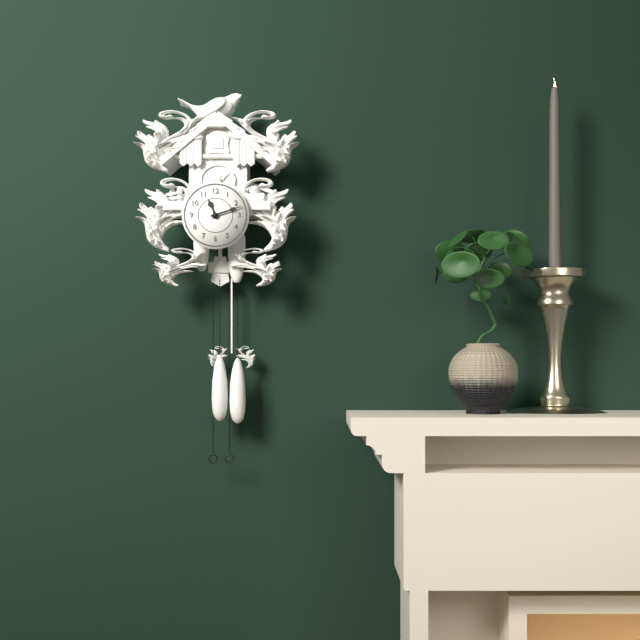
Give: 11:12
